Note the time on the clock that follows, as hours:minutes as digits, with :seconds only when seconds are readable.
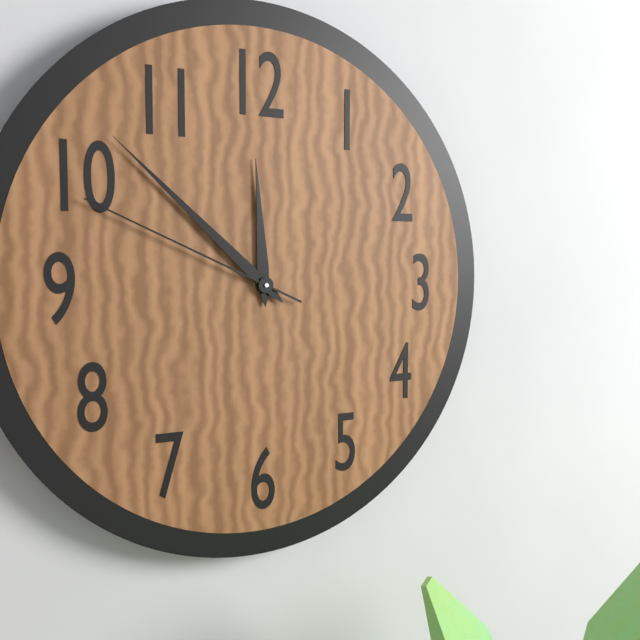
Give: 11:52:49
